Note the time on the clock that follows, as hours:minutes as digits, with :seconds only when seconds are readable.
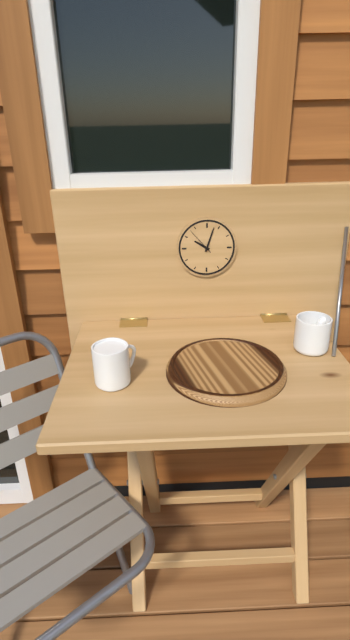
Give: 10:03
